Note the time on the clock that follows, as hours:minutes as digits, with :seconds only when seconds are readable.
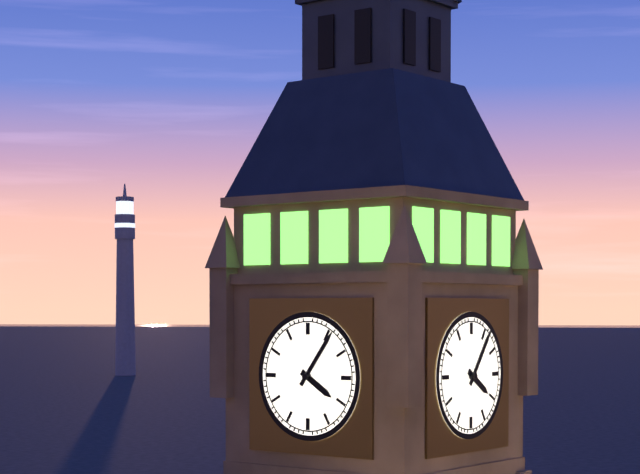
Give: 4:06
